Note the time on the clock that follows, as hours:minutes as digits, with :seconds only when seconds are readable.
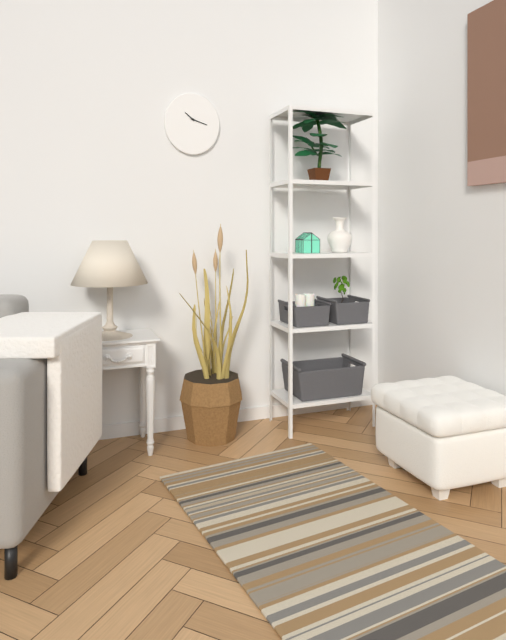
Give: 10:18
